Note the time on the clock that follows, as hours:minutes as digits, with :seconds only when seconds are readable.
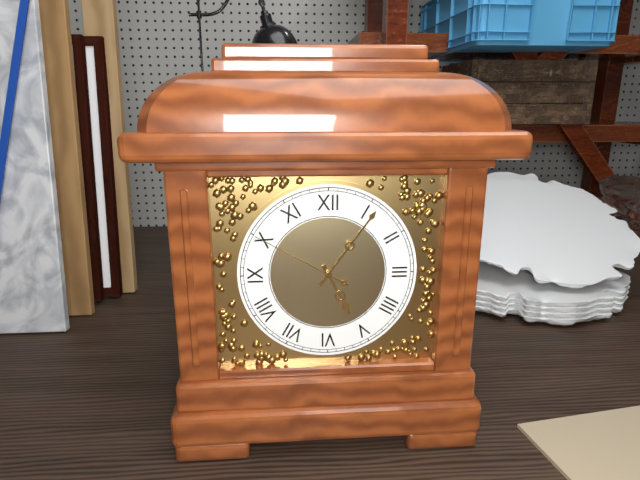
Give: 5:06:50
